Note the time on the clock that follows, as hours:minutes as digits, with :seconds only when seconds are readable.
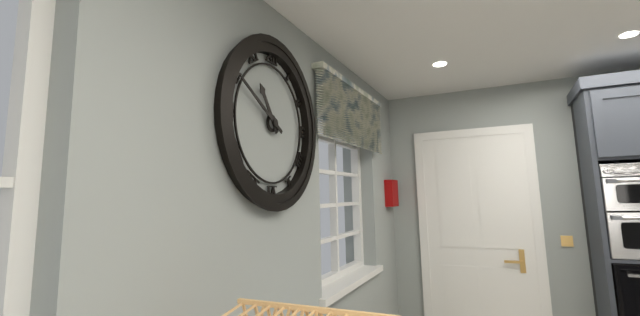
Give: 10:50
